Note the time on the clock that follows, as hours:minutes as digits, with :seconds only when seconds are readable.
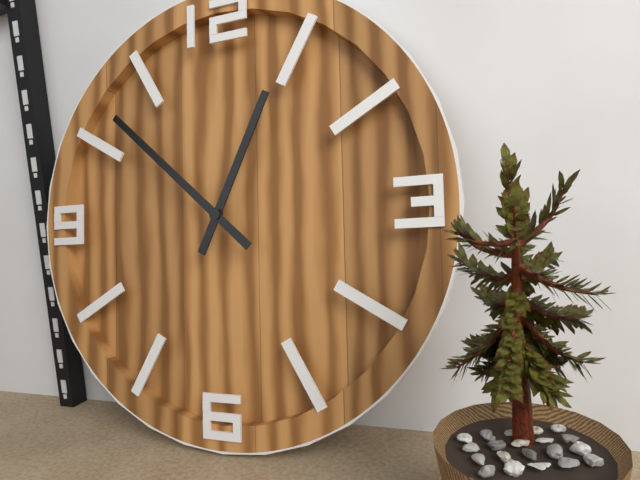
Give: 12:52
